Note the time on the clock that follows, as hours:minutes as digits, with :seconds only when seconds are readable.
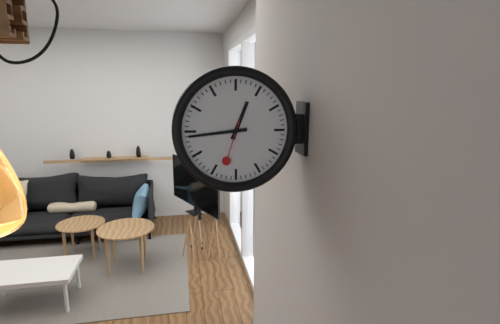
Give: 12:44
